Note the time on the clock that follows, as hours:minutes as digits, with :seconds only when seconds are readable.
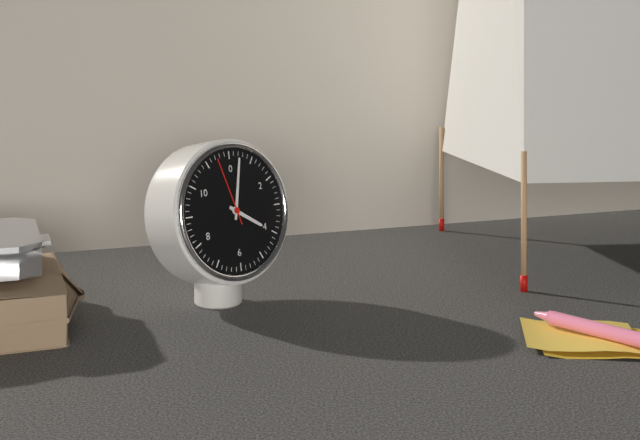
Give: 4:02:57
